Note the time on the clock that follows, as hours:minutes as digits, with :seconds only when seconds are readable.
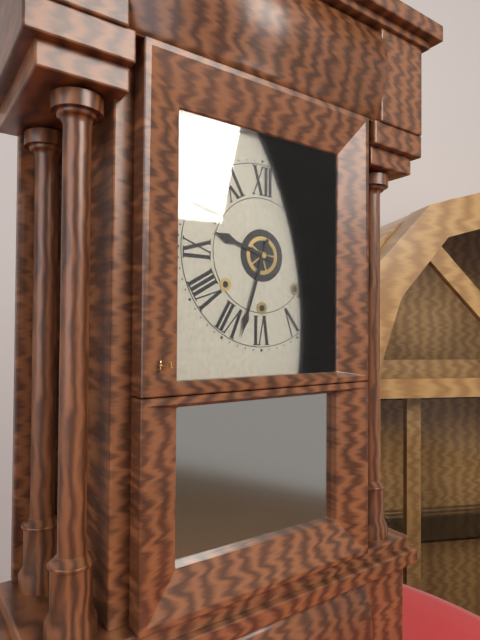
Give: 9:33
